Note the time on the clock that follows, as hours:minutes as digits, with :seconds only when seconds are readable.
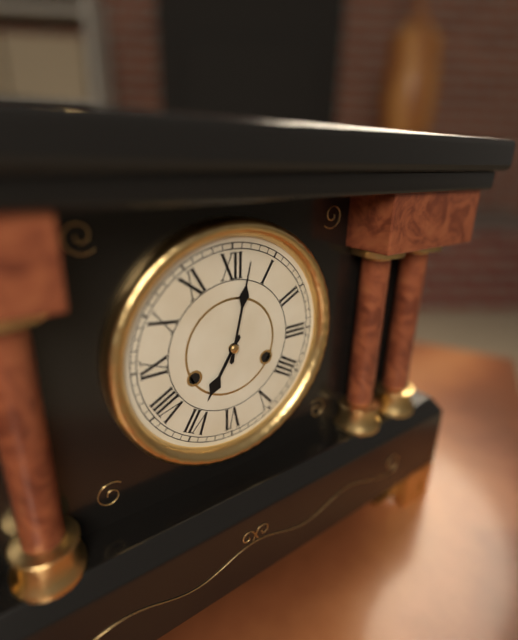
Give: 7:02
